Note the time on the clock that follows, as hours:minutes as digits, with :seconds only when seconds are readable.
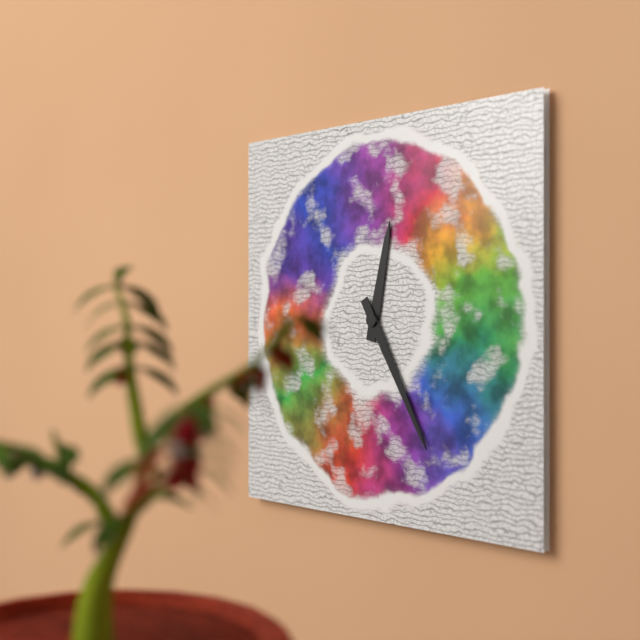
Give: 12:25
